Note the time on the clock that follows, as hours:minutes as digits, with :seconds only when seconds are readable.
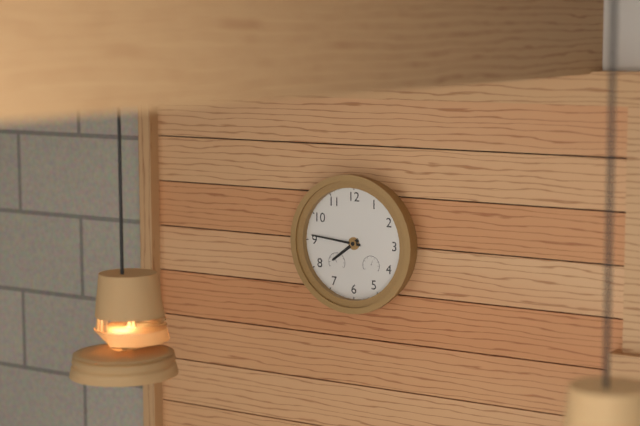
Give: 7:46
